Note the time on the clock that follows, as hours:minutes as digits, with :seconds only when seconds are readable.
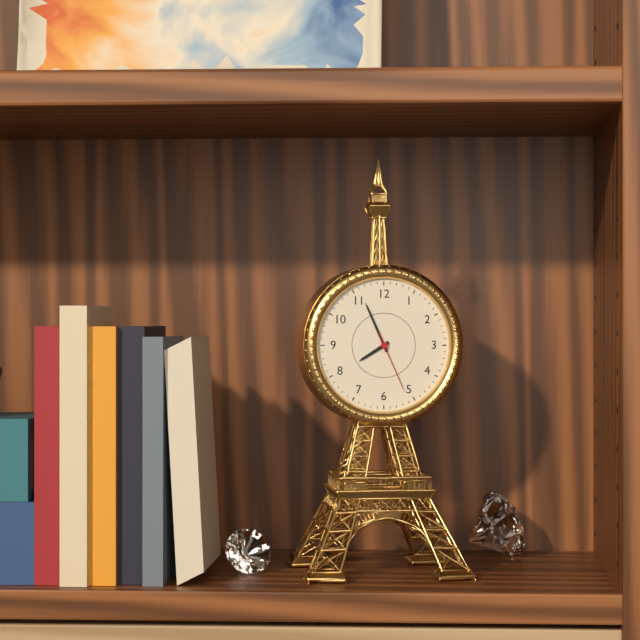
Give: 7:56:26
